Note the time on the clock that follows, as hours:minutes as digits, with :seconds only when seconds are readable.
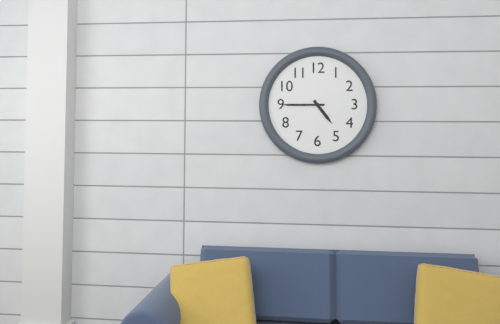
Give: 4:45
